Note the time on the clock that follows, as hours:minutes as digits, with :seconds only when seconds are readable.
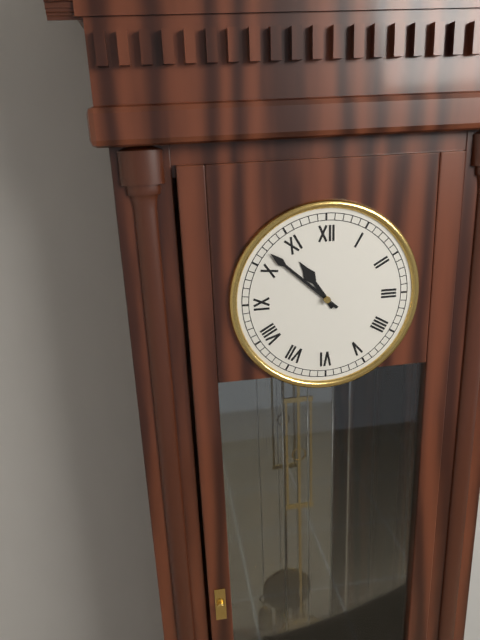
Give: 10:52
